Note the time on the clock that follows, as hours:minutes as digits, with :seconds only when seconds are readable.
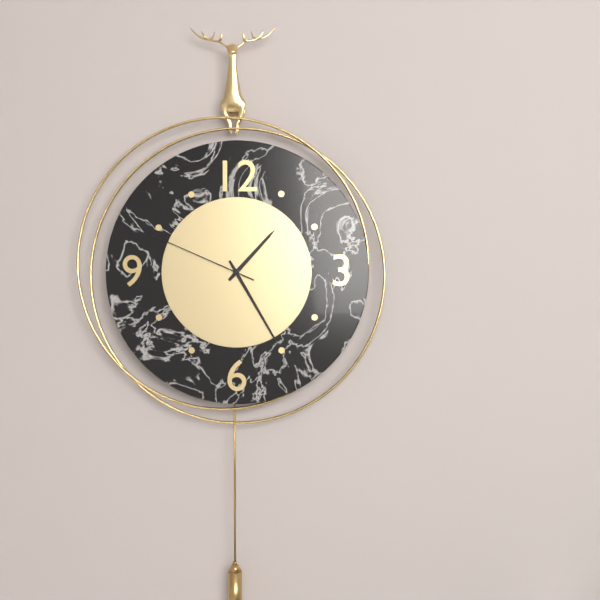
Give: 1:25:49
